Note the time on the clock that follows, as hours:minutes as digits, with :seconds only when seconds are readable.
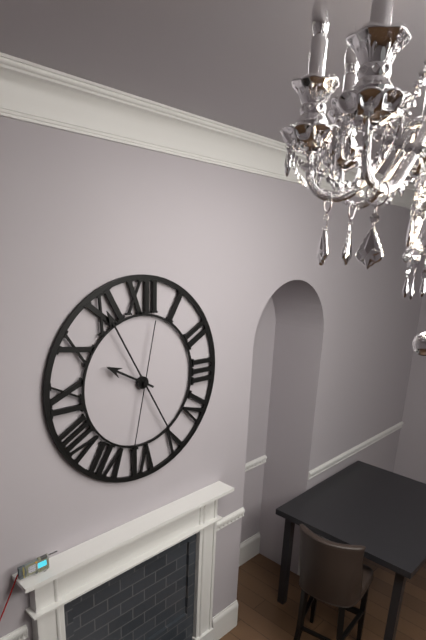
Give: 9:55:32
